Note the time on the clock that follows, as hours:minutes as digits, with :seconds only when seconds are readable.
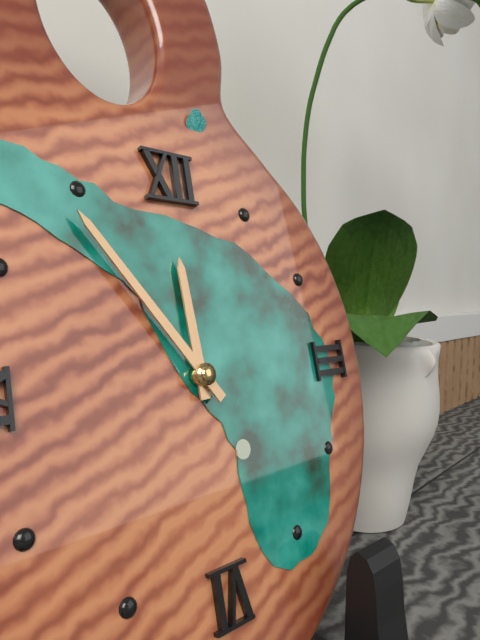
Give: 11:54
